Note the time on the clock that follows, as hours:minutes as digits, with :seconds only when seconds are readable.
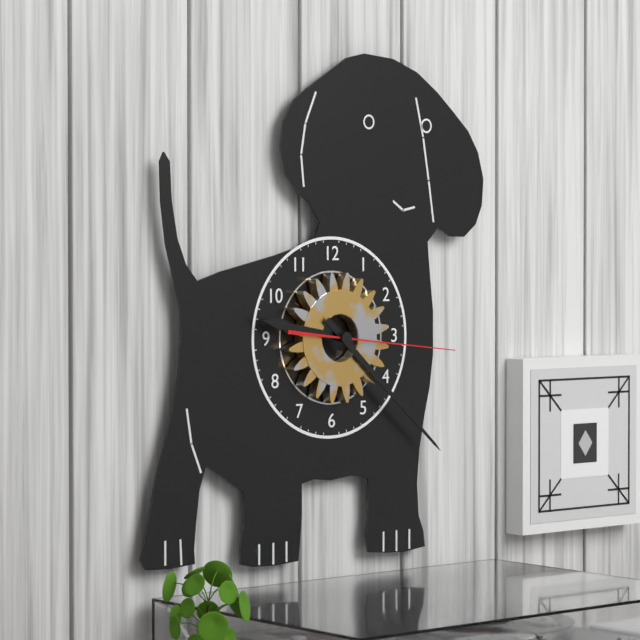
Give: 9:22:16
